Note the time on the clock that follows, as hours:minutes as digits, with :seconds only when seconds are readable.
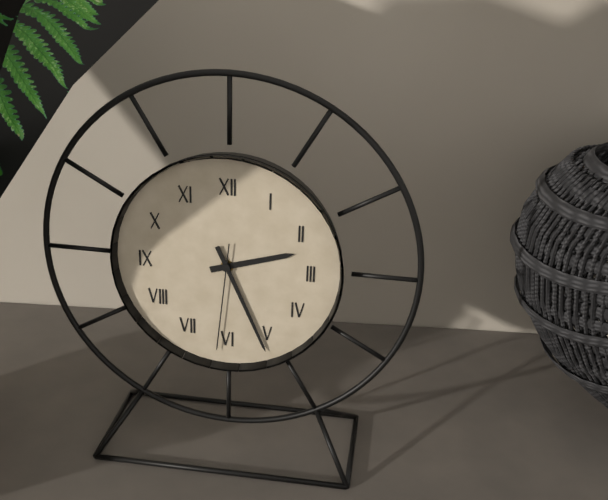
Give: 2:26:31
